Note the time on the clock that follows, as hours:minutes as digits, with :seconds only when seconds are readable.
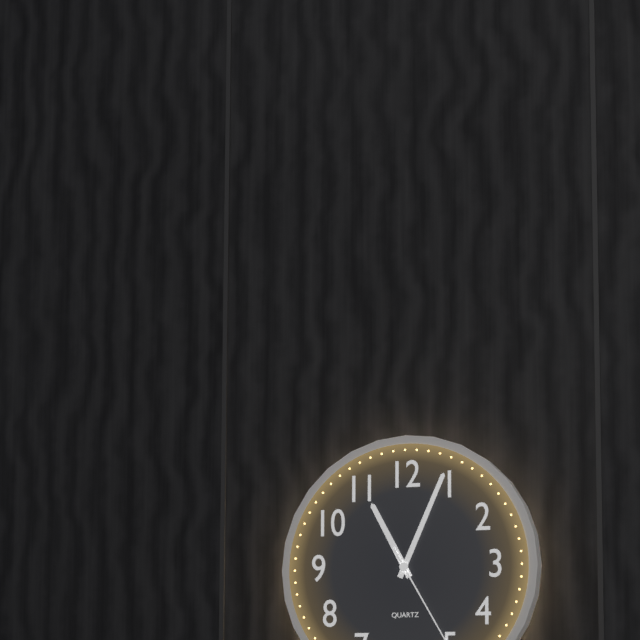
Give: 11:04
